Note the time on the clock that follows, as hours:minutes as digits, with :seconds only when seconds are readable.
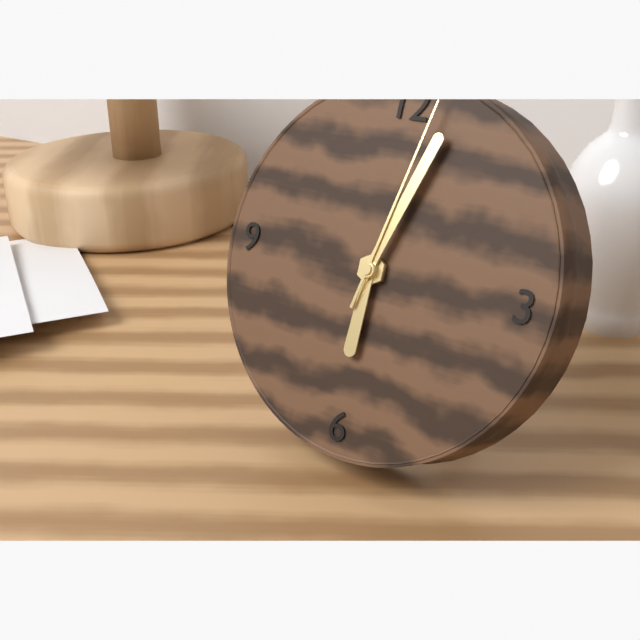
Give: 6:03:02
